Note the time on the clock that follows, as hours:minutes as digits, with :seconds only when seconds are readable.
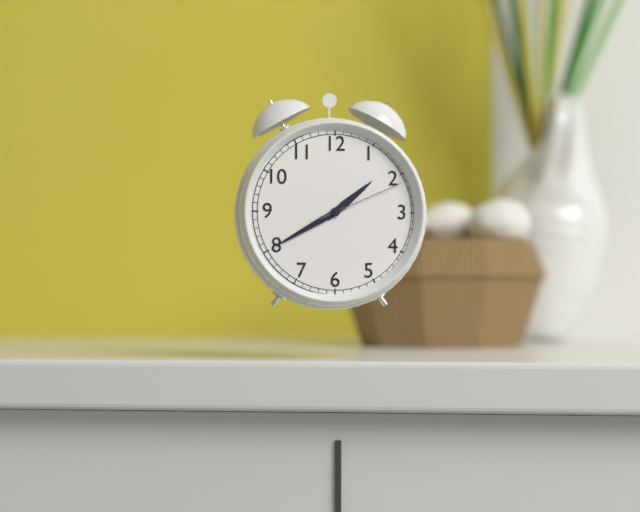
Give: 1:40:11
